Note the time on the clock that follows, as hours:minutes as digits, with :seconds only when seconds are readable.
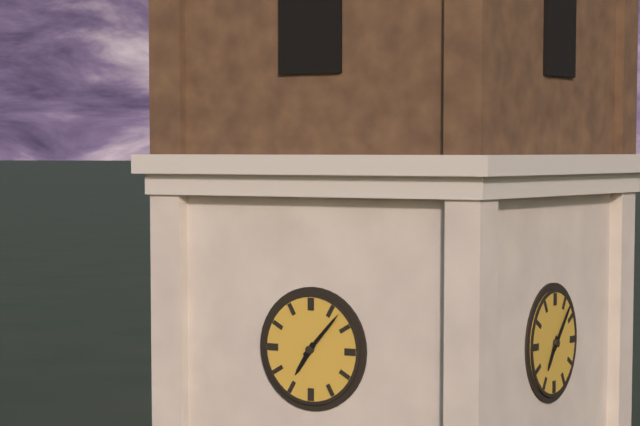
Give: 7:07
